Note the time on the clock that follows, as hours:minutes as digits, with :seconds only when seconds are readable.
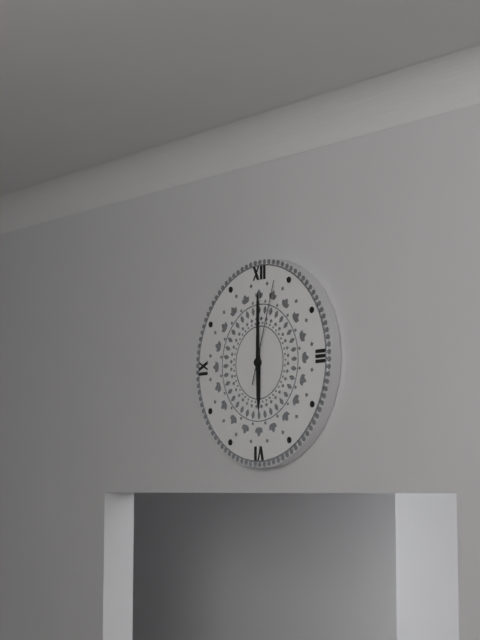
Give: 6:00:03
